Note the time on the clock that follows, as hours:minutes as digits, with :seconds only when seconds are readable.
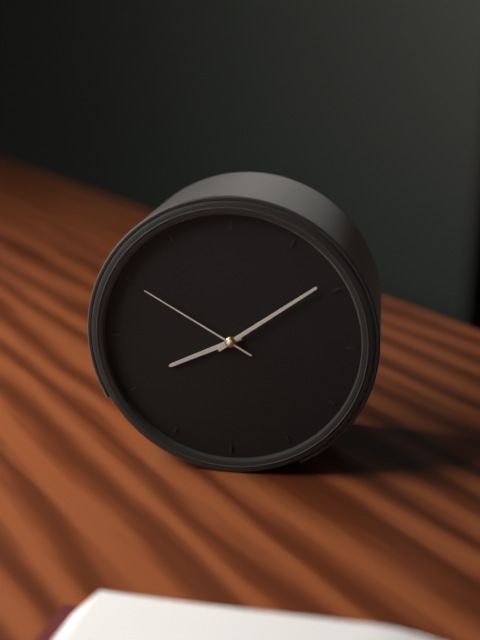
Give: 8:09:50
